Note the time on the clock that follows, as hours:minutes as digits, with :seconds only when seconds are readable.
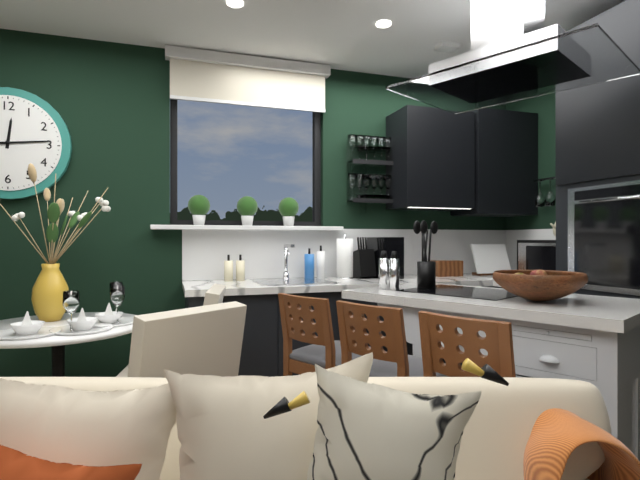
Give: 12:14
